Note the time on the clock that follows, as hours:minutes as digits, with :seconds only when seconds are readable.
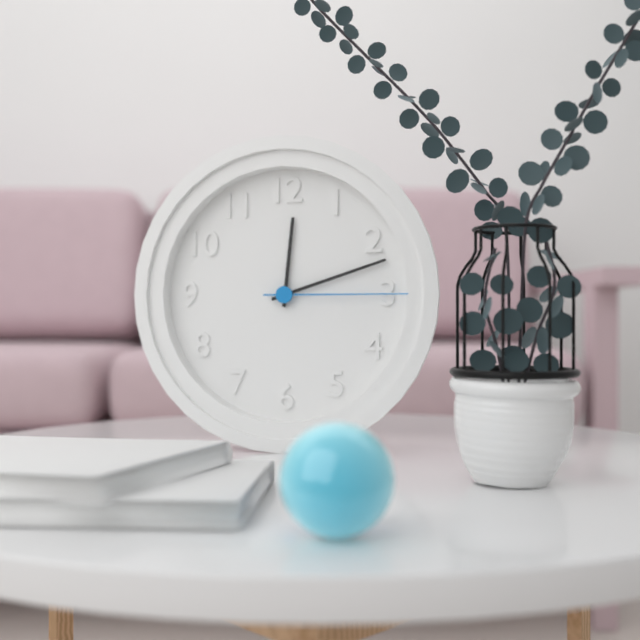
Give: 12:12:15
